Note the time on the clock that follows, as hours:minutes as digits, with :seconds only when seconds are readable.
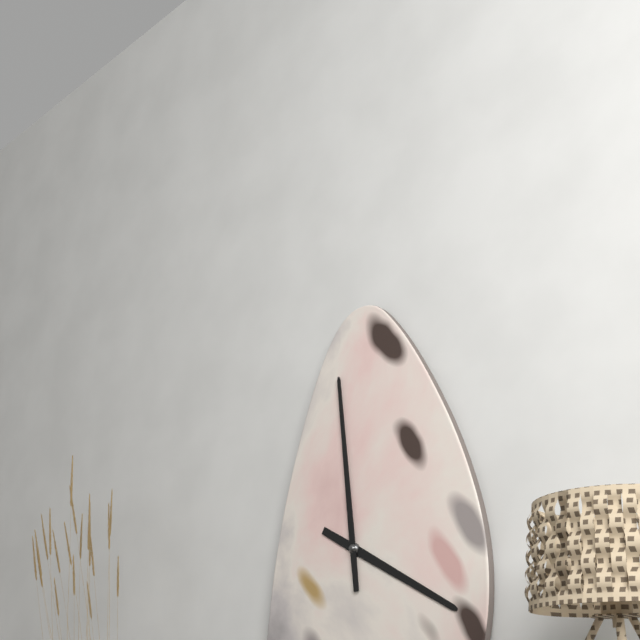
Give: 3:59
